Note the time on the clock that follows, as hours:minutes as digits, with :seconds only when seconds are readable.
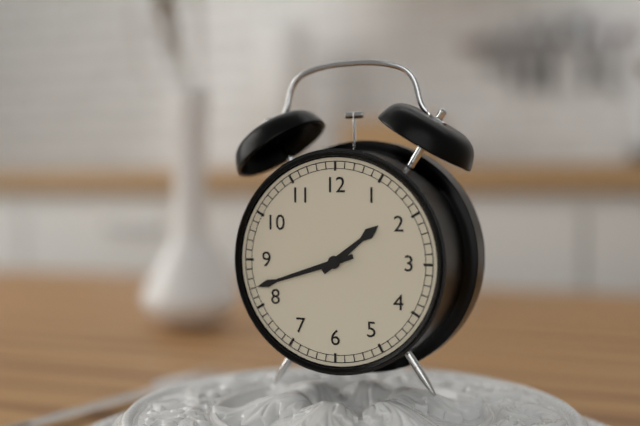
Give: 1:42
